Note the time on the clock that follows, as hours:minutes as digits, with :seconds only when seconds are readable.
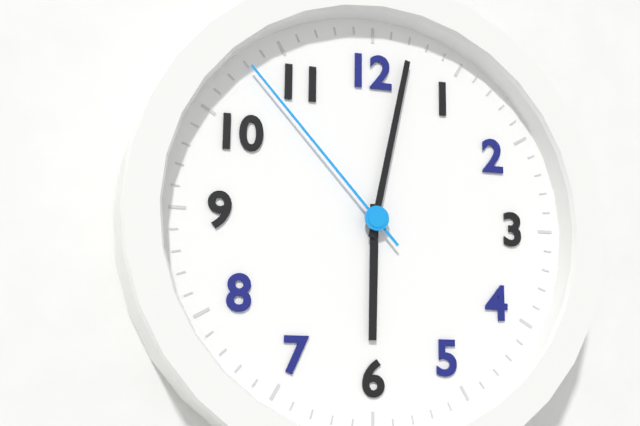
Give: 6:02:53
